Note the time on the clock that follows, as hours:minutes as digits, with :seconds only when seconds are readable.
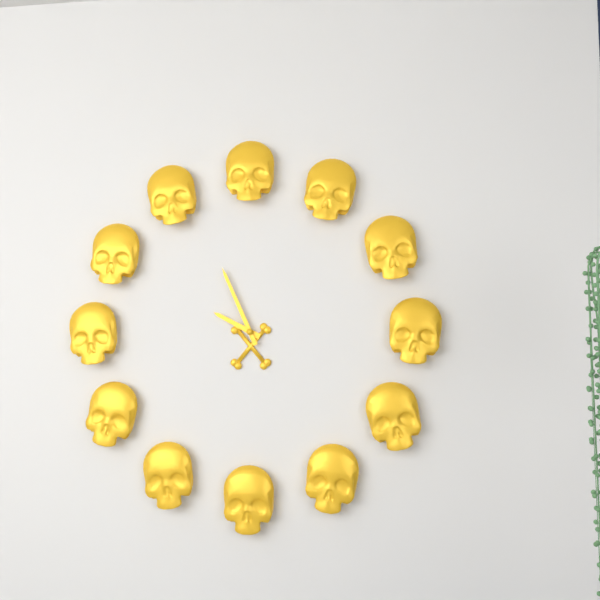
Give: 9:56
